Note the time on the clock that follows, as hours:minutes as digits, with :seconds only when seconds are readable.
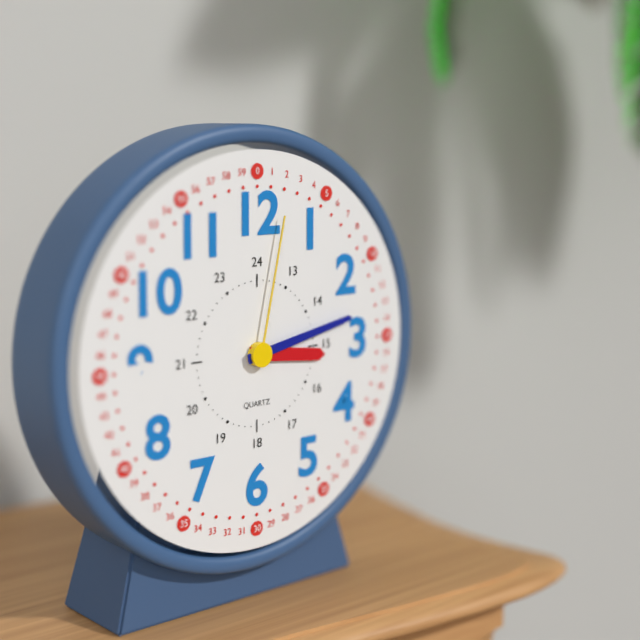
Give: 3:13:02
